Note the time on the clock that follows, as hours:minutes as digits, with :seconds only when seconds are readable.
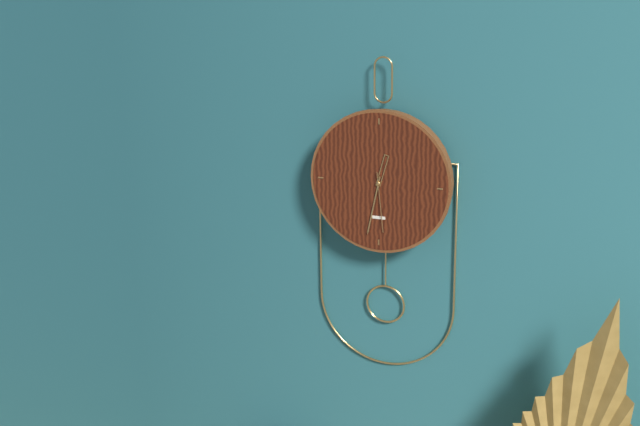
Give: 12:32:29
